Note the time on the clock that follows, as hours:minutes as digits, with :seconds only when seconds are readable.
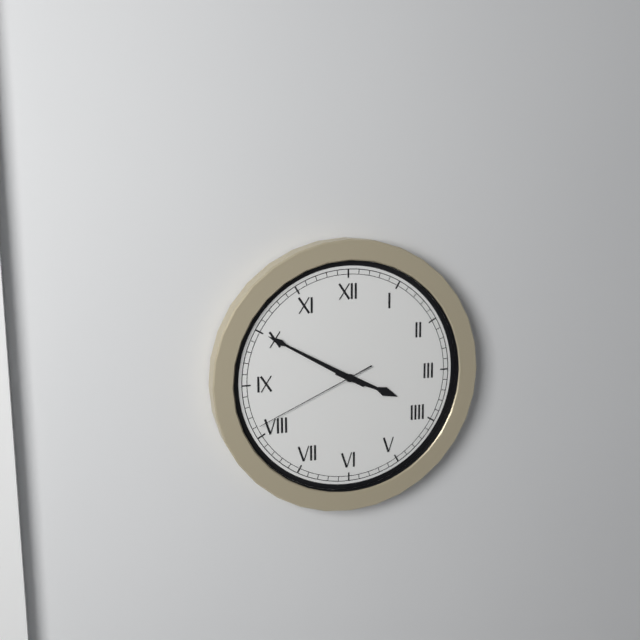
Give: 3:50:41
